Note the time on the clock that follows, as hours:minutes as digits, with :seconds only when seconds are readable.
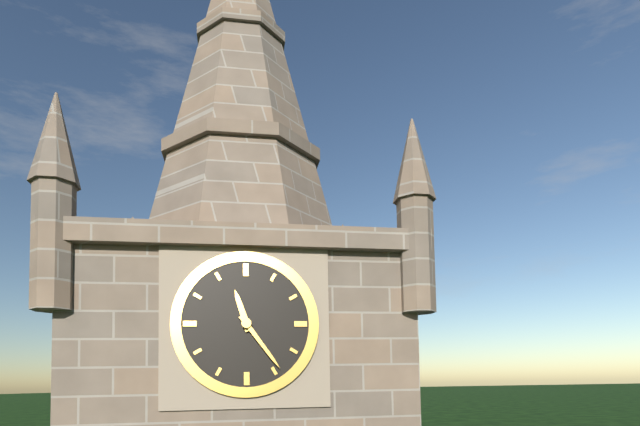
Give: 11:24
